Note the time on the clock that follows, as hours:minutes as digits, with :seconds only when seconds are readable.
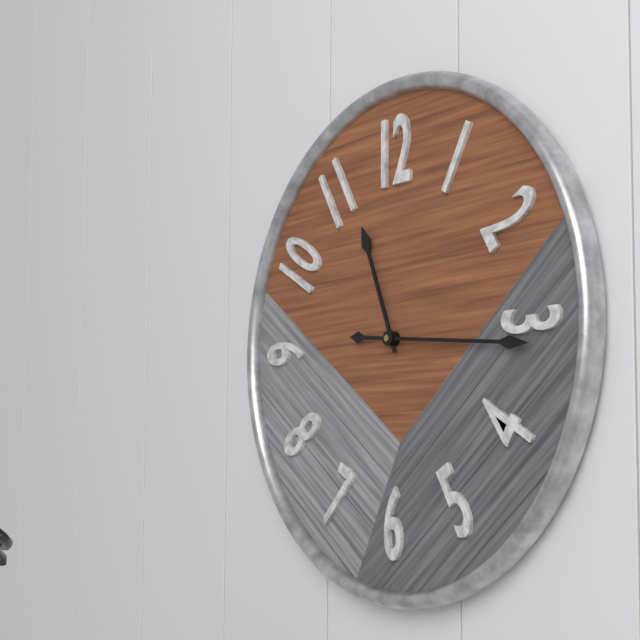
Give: 11:16
